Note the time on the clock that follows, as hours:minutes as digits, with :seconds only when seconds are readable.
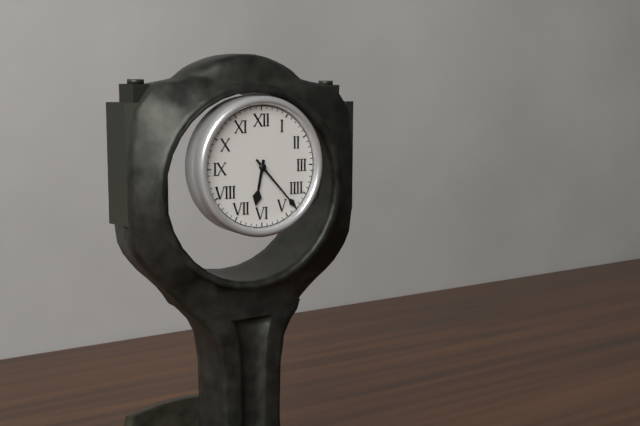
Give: 6:23
